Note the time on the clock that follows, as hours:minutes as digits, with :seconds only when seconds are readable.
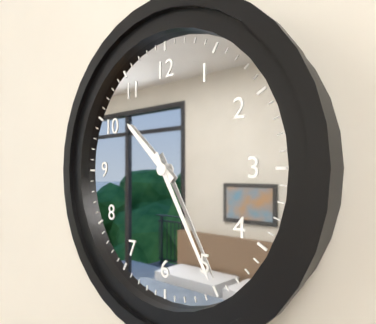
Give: 10:25
